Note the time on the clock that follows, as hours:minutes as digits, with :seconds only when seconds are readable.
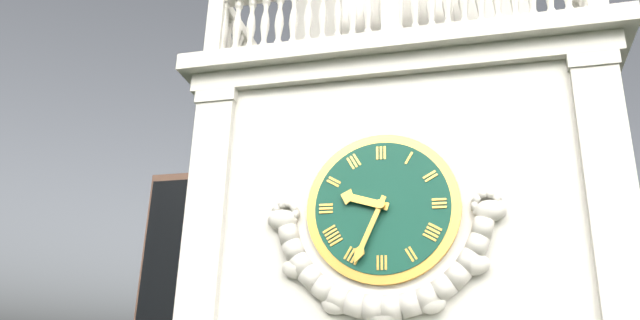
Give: 9:34
